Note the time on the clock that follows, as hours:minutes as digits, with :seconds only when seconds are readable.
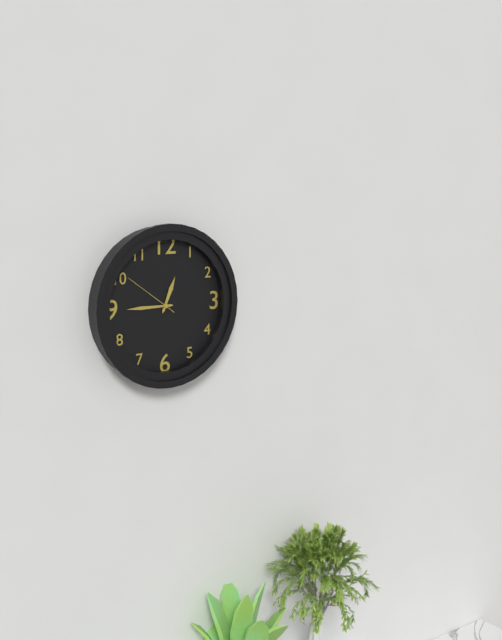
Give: 12:45:51
